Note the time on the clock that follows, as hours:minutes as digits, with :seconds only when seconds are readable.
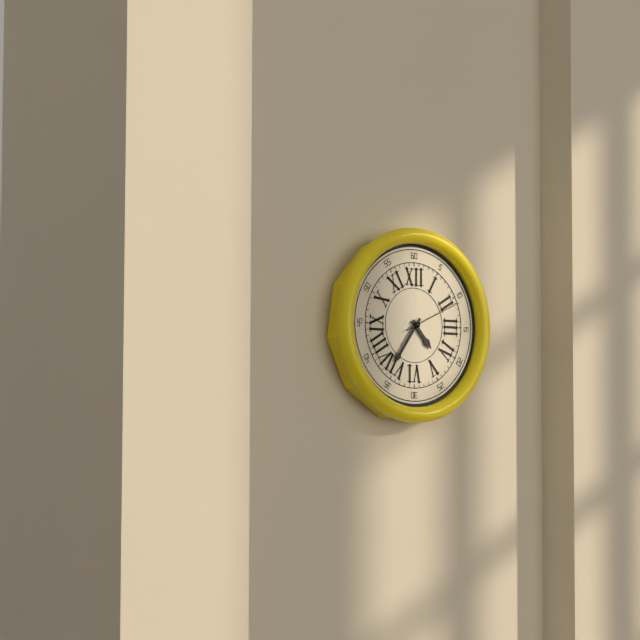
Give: 4:36:11
